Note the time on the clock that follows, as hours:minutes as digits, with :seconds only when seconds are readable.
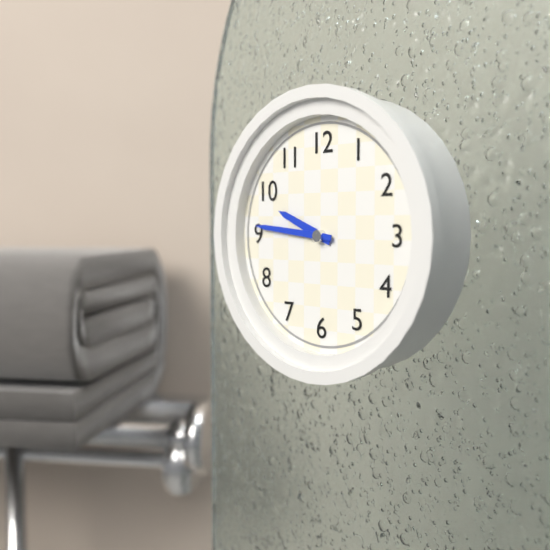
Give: 9:46
